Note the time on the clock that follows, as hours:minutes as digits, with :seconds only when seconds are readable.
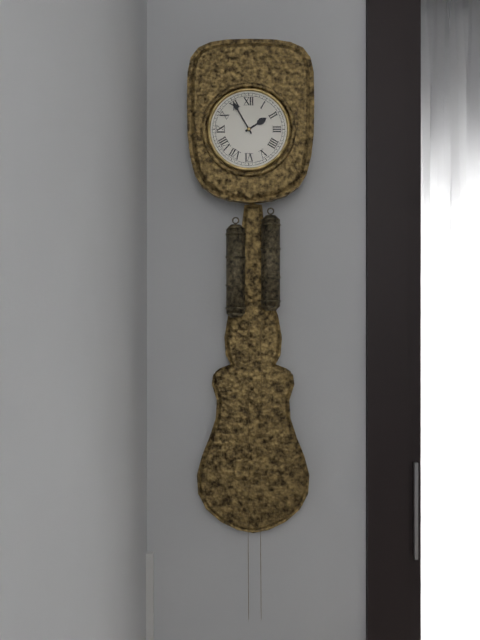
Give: 1:55
